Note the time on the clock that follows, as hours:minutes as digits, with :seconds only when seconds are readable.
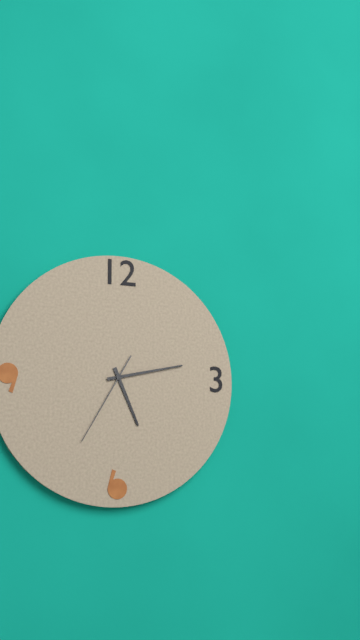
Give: 5:13:35
